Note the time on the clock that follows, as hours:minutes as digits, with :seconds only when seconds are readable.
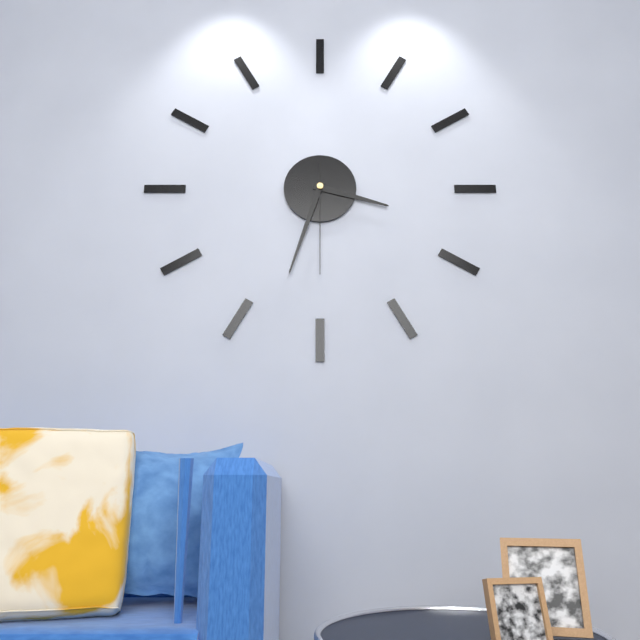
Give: 3:33:30
